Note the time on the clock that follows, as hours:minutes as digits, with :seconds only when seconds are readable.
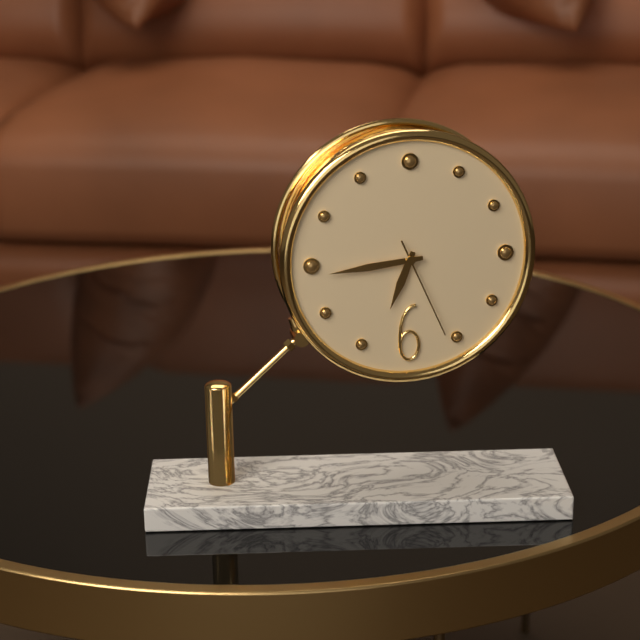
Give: 6:44:26
